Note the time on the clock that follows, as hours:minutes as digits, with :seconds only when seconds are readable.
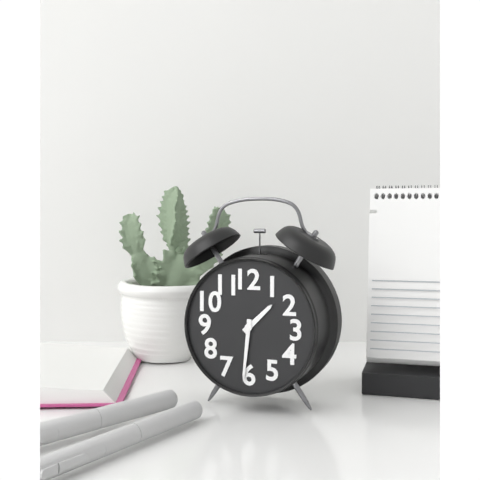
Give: 1:31
